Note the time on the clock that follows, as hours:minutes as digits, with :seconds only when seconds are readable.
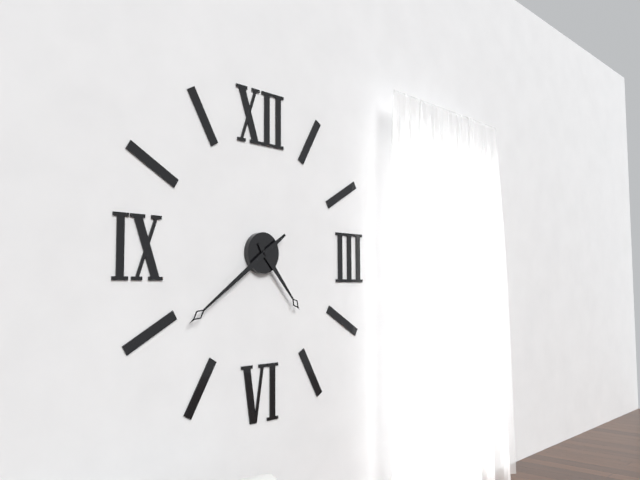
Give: 4:39
